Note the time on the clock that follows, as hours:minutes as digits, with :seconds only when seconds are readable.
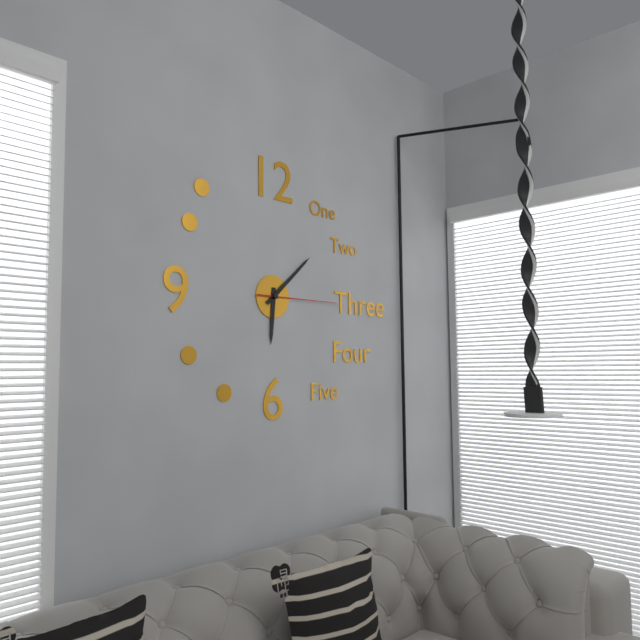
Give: 6:08:15
